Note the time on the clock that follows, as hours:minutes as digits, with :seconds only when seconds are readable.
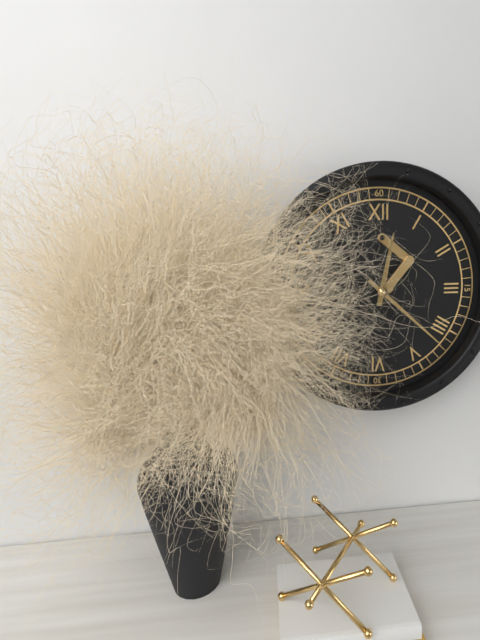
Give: 12:22
